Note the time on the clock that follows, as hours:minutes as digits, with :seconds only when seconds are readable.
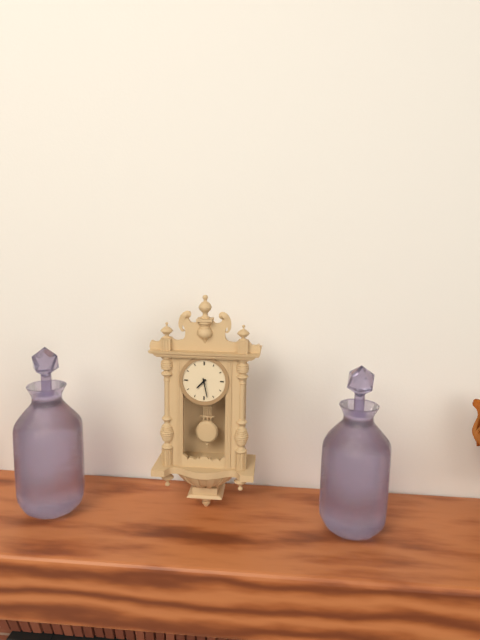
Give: 7:28
